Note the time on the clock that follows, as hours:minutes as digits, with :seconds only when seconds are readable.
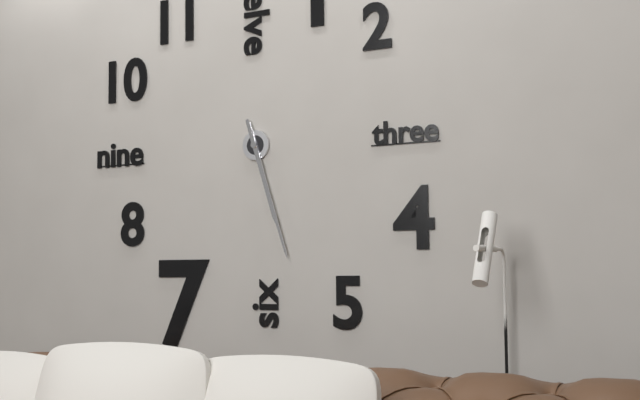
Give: 5:27
